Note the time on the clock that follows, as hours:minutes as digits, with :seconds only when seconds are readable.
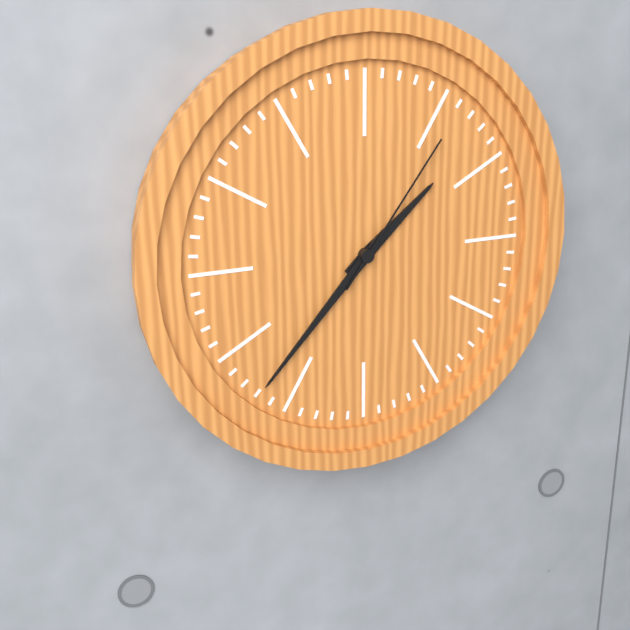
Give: 1:37:06
